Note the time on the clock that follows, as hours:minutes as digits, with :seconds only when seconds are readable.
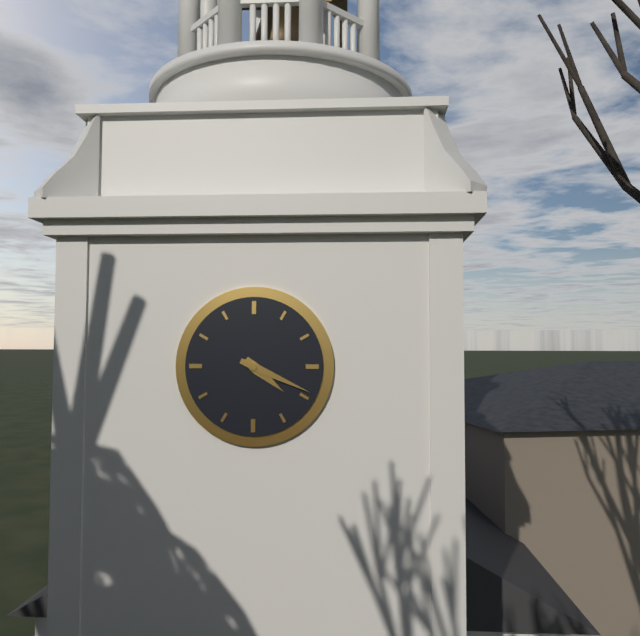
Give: 4:19
